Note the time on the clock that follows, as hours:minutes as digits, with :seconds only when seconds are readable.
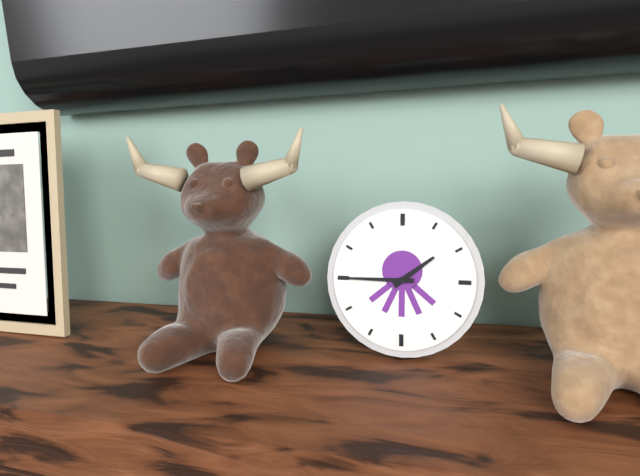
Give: 1:45
